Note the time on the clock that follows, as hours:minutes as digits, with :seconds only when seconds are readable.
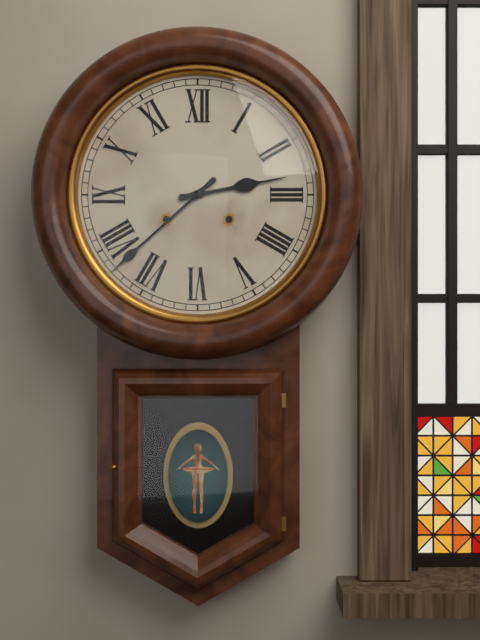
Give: 2:38
